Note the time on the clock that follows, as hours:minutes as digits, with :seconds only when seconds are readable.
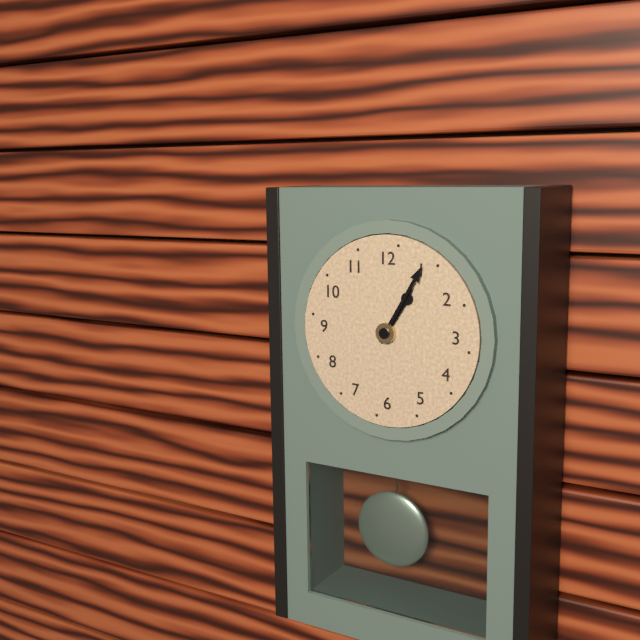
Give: 1:05
